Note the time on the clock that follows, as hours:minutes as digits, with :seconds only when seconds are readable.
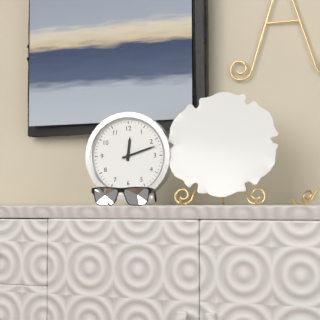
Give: 12:12
